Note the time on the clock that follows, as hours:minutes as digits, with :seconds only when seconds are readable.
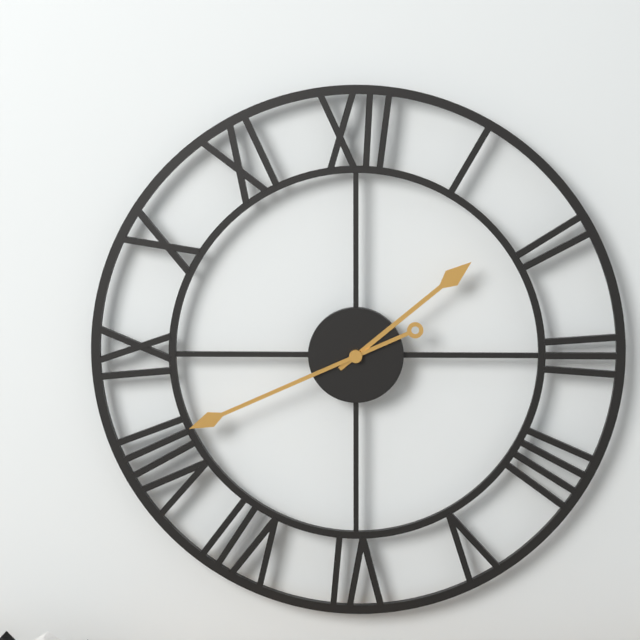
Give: 1:41
